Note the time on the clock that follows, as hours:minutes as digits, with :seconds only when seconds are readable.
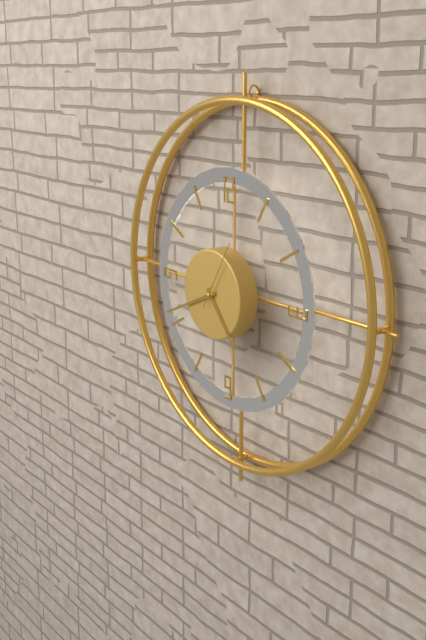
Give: 4:41:05
